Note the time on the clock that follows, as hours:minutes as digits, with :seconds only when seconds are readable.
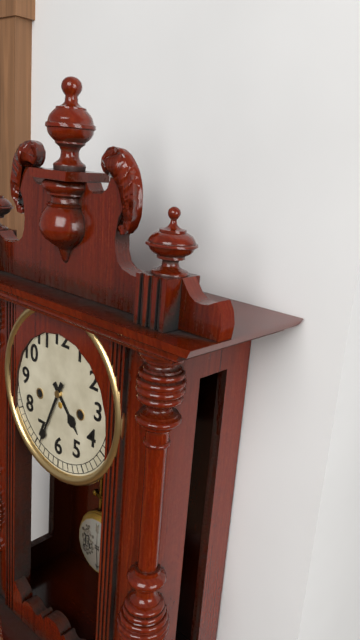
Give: 4:34
